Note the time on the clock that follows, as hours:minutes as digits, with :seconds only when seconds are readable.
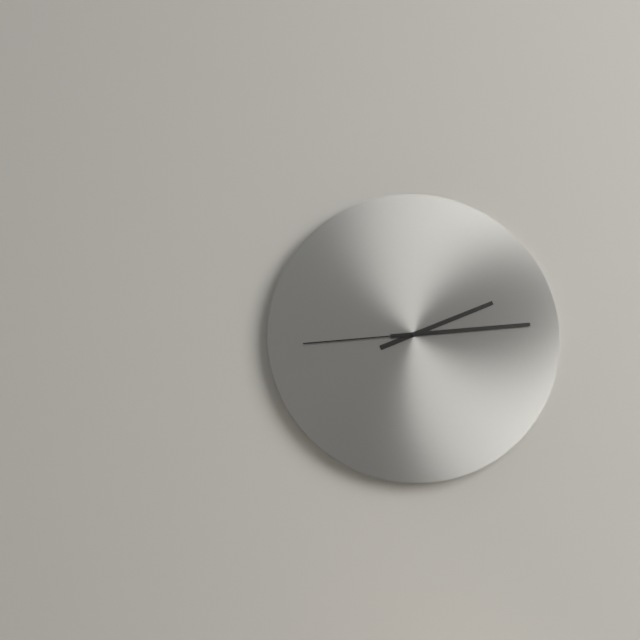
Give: 2:14:44
